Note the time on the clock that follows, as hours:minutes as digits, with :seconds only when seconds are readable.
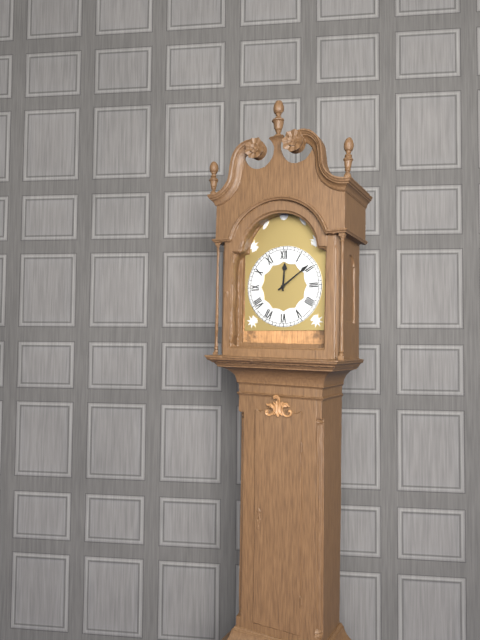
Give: 12:09
